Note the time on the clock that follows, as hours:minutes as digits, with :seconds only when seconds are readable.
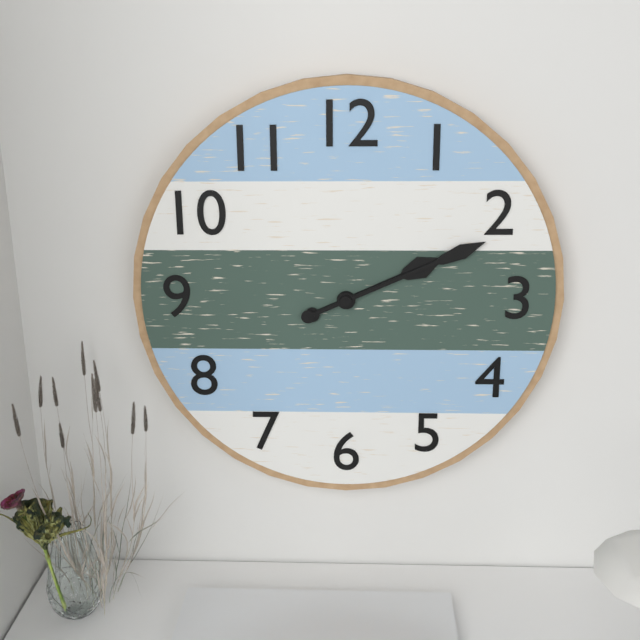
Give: 2:11
